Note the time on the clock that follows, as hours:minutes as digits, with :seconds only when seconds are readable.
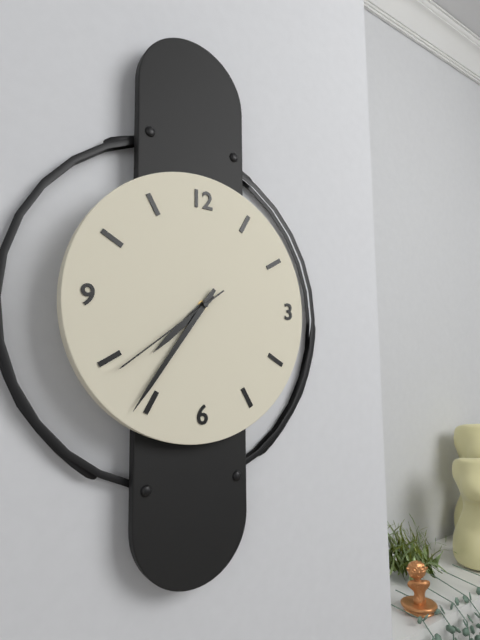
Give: 7:36:39
